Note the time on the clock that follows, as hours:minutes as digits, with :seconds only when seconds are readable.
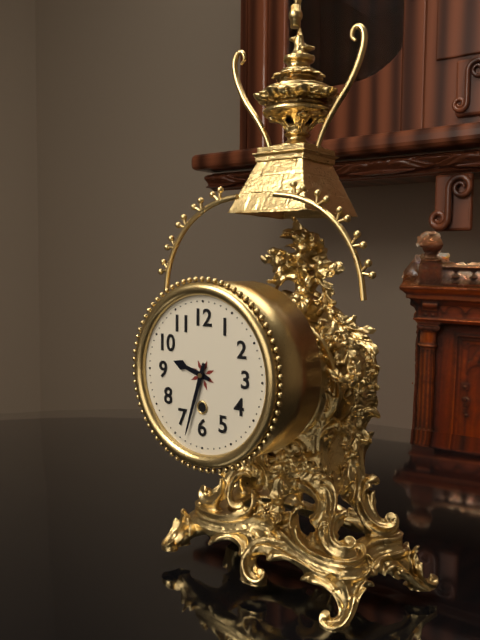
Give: 9:33
